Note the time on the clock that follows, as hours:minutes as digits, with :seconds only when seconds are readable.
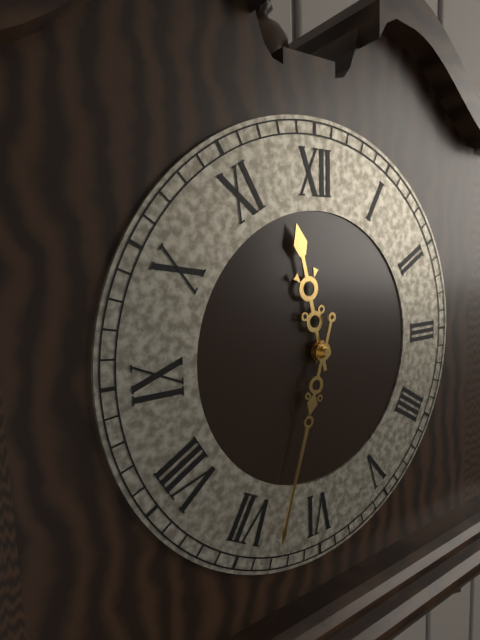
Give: 11:33
